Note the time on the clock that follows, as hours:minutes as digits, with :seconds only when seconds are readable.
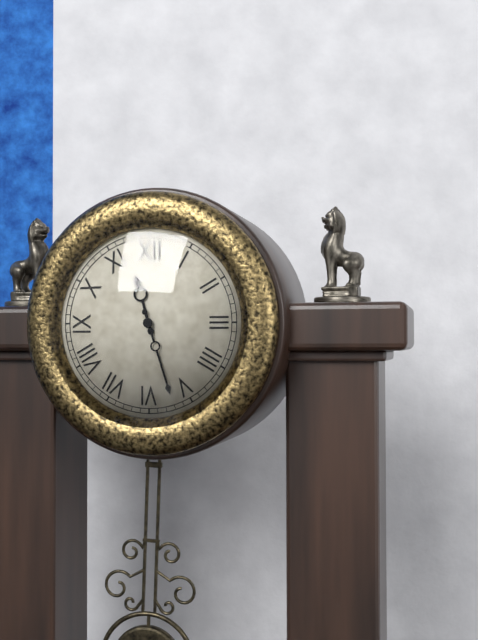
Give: 11:27
